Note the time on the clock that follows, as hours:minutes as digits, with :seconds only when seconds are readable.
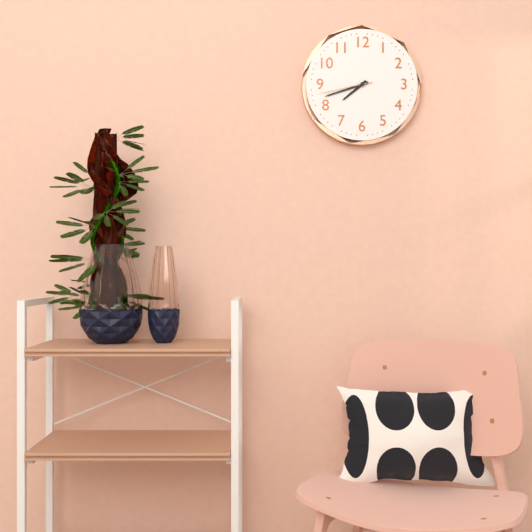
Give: 7:42:43
